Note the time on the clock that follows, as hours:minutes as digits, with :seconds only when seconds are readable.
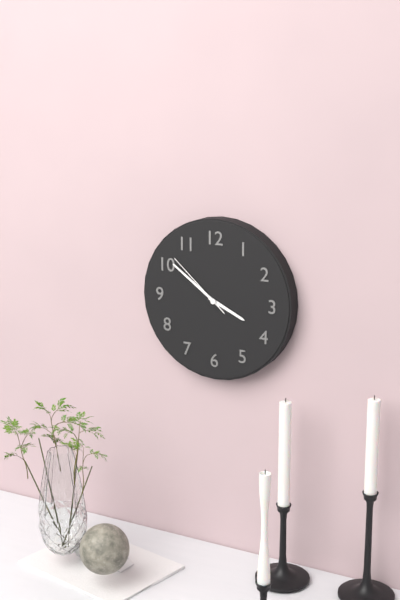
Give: 3:51:52
